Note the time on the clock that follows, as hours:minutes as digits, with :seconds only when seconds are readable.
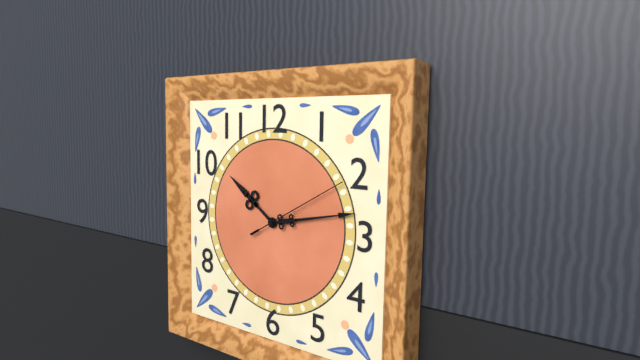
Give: 10:13:10
